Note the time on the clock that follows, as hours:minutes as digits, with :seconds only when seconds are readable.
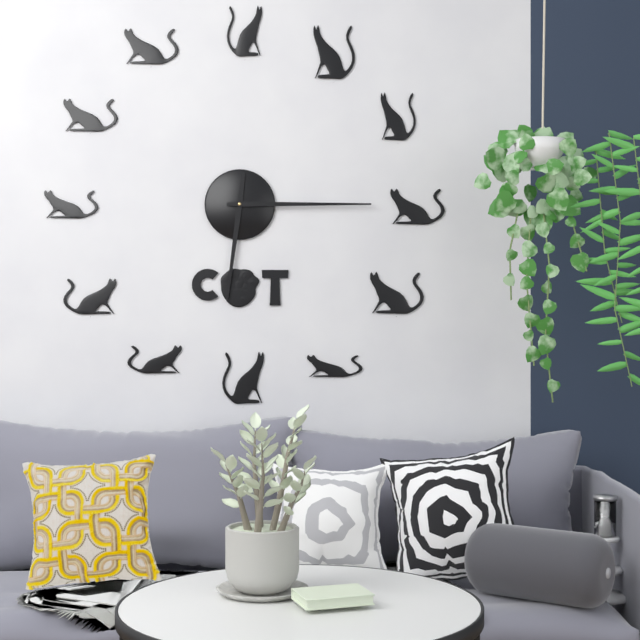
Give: 6:15
